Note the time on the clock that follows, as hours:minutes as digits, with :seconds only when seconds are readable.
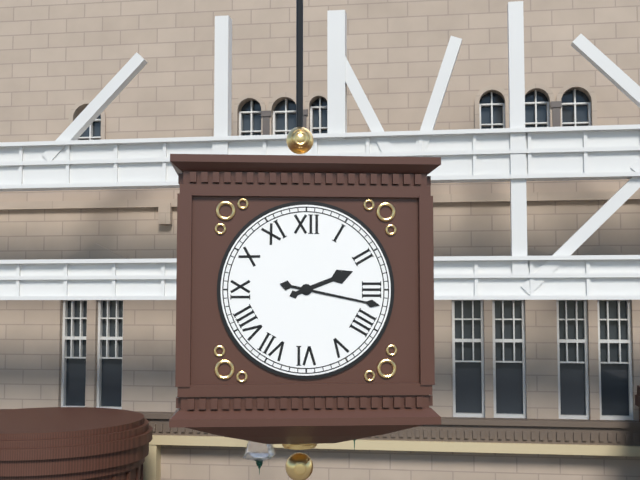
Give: 2:17
